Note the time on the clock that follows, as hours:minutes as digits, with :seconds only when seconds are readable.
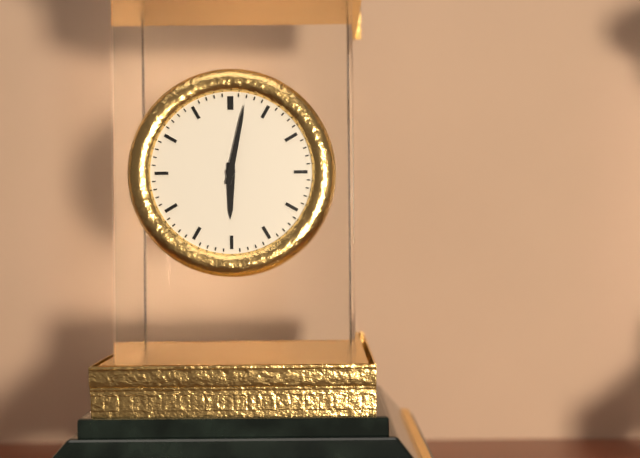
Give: 6:02
